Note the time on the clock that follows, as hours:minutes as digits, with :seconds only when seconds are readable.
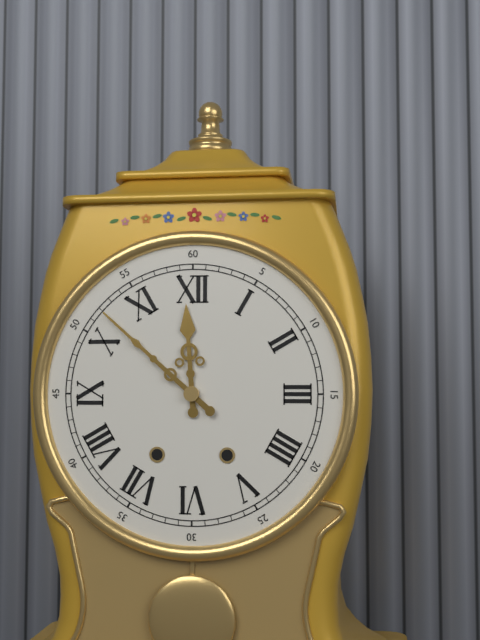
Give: 11:52
